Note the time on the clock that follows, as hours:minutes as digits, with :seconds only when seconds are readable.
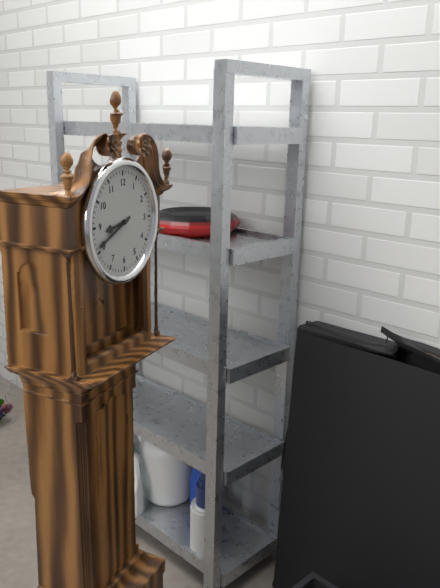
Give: 8:41
